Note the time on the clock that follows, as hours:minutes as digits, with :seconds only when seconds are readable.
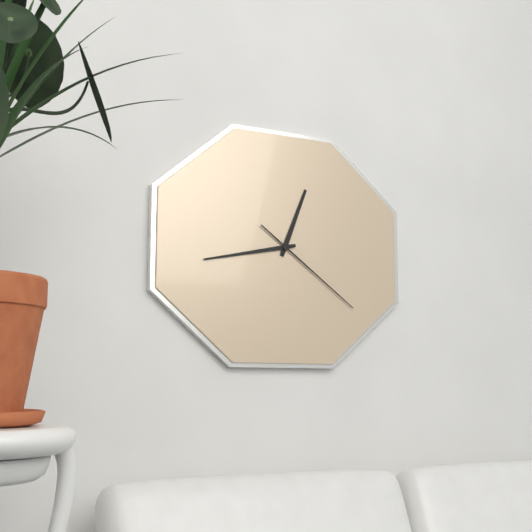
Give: 12:43:21
